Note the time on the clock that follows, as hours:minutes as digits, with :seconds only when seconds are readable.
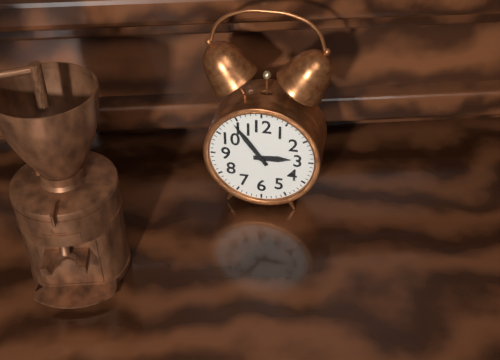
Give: 2:54
